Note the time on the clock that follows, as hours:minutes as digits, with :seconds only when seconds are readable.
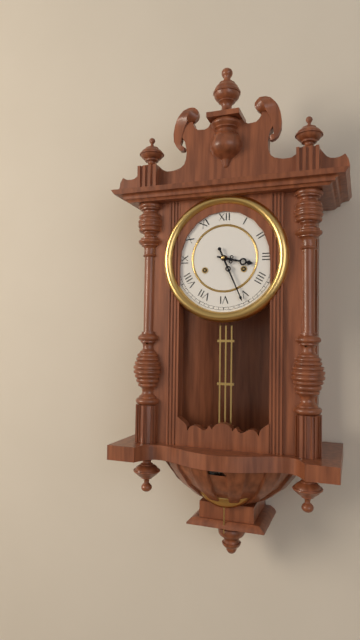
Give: 3:26
